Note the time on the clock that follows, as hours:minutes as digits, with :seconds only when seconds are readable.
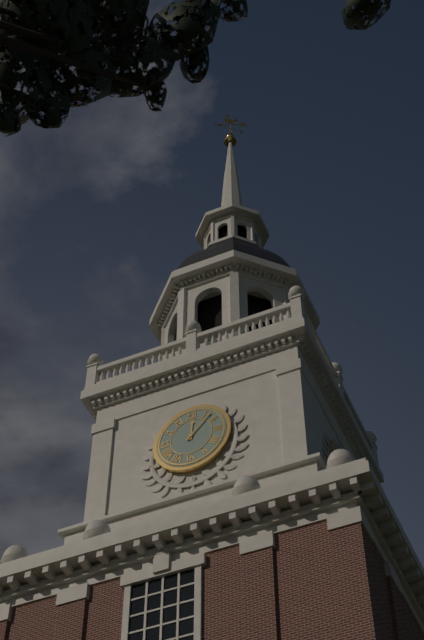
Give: 12:07
